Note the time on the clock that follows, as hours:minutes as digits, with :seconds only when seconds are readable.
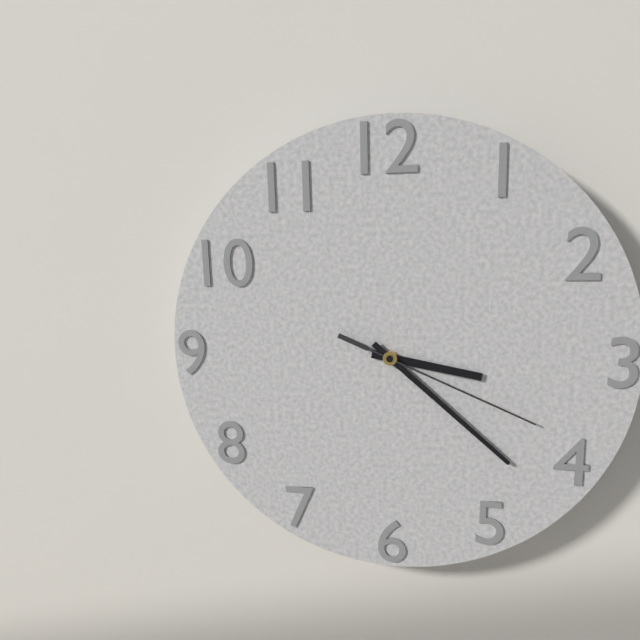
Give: 3:22:19
